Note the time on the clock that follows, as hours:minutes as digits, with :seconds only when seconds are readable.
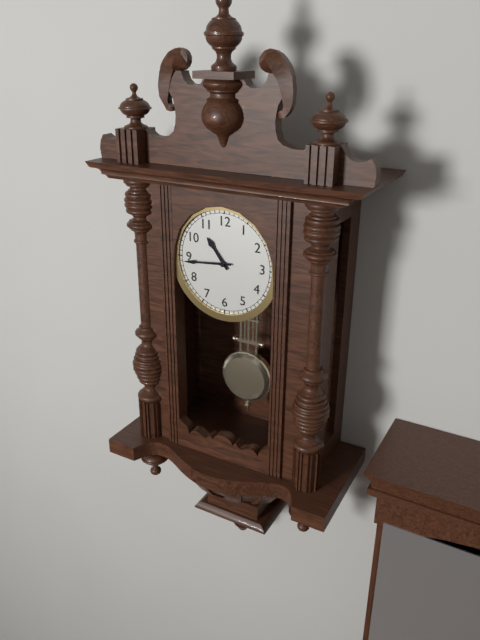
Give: 10:44
